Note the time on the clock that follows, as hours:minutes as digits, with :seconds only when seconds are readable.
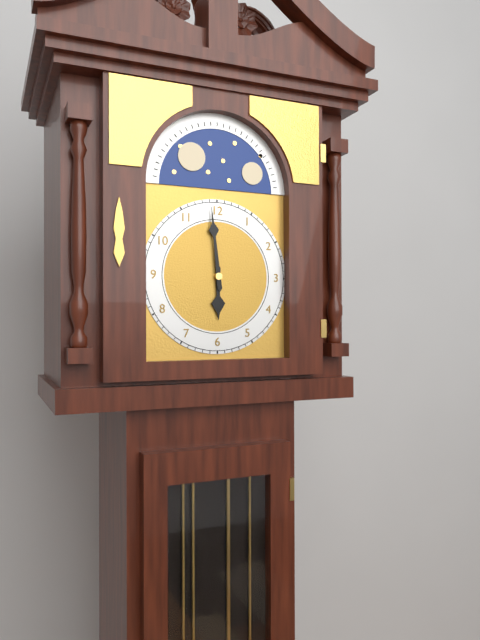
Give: 5:59
